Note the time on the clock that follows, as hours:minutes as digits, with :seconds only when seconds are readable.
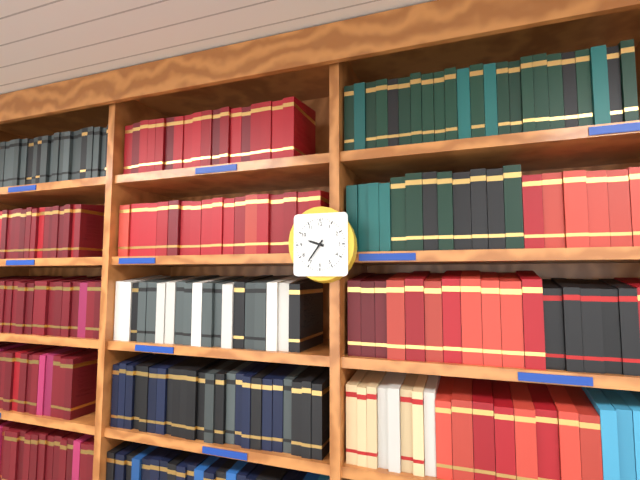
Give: 9:36
